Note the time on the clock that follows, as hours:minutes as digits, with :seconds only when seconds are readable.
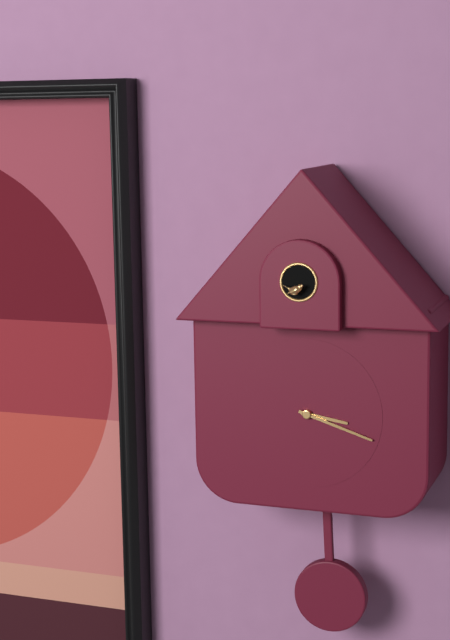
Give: 3:18
